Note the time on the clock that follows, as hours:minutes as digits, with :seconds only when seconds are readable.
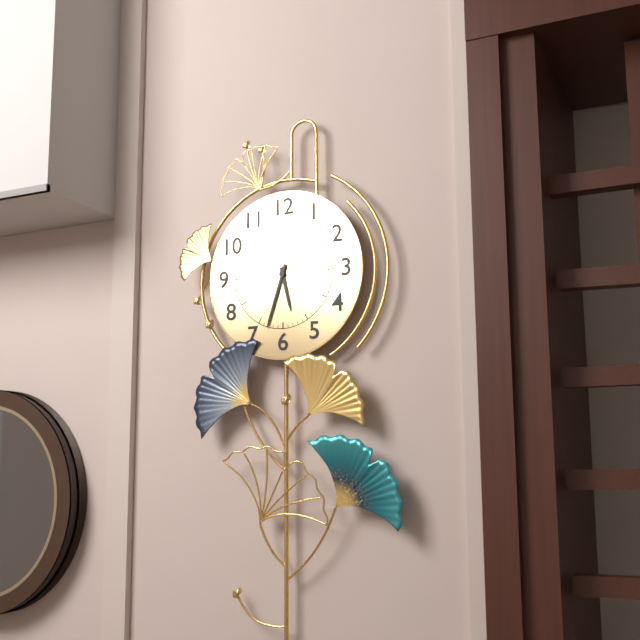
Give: 5:33
